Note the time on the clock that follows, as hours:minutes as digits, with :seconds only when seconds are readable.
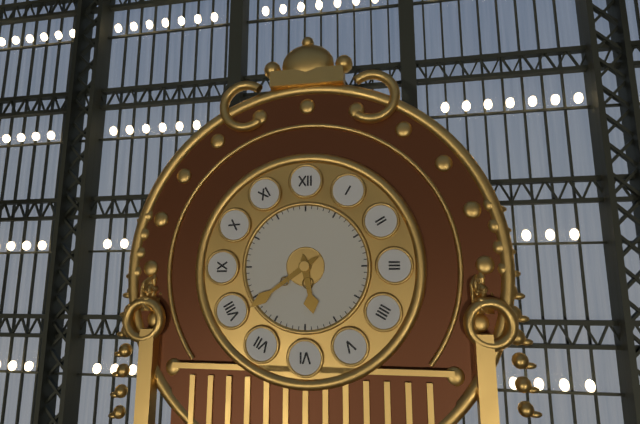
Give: 5:39
